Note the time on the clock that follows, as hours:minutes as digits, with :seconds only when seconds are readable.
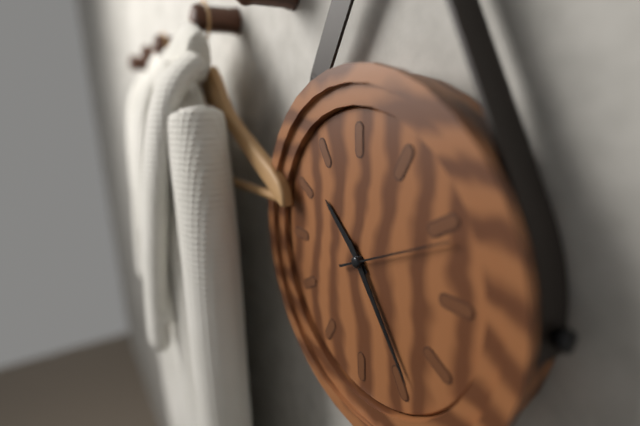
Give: 10:24:11
